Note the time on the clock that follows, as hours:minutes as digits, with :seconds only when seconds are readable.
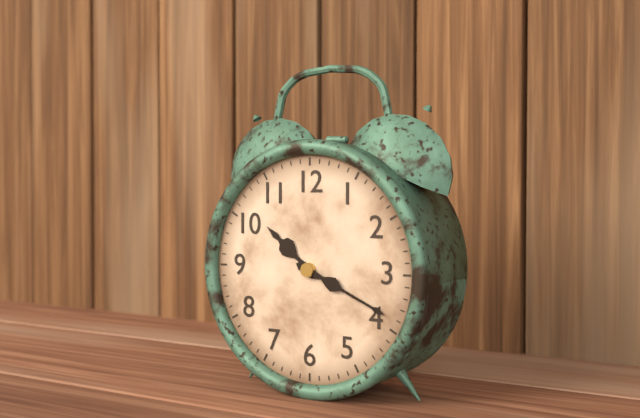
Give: 10:19
